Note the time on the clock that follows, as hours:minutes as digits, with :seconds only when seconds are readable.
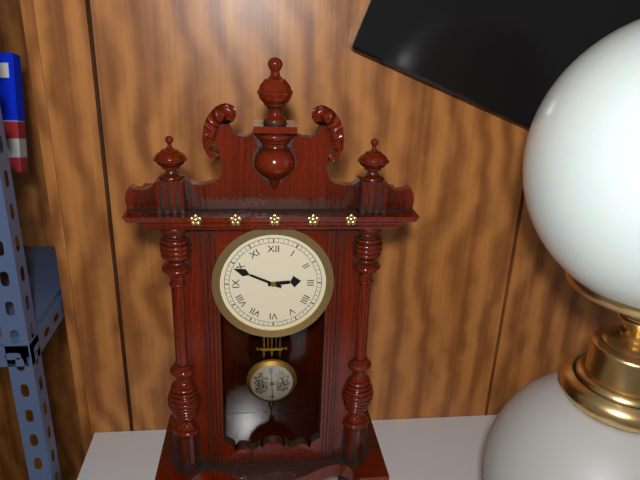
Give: 2:49
